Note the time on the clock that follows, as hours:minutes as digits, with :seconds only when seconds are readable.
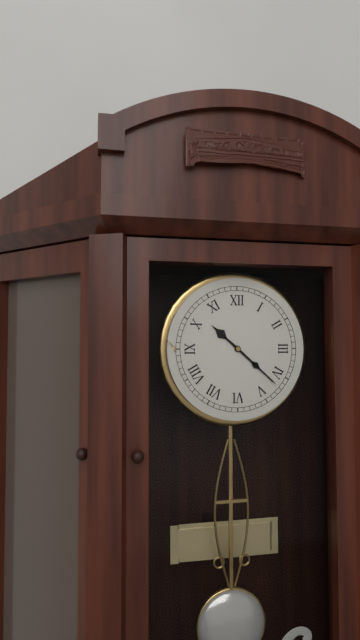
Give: 10:22
